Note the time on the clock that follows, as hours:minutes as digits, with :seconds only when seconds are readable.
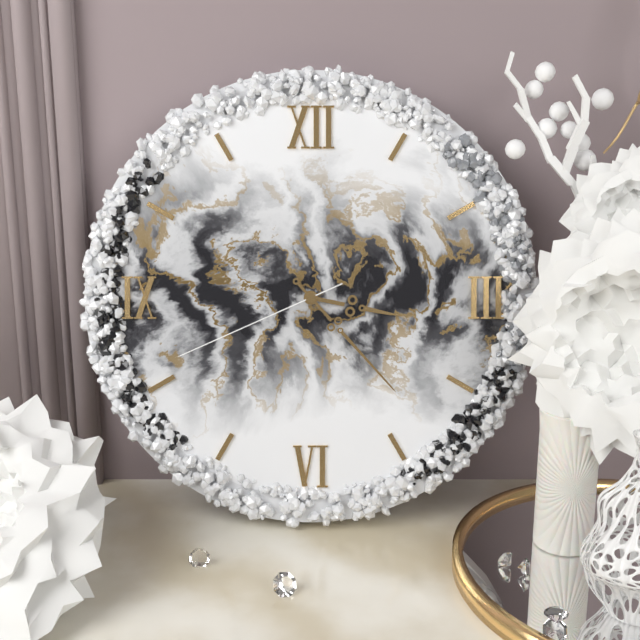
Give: 3:23:41
